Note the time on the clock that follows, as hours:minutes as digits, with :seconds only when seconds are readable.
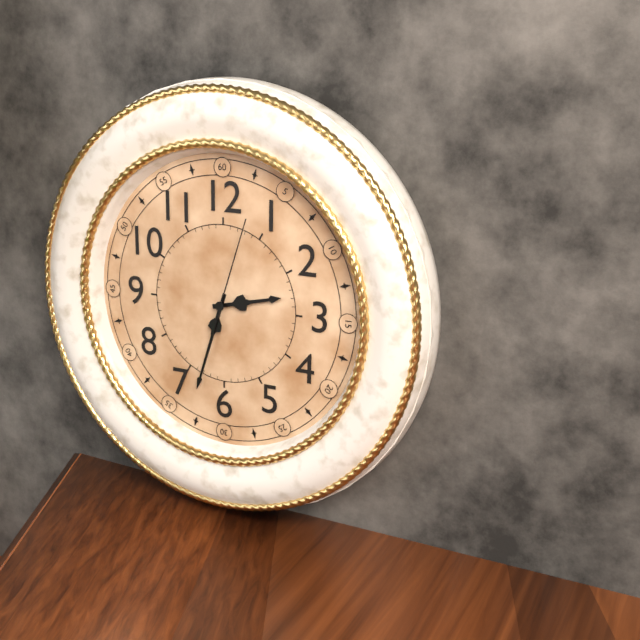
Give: 2:33:03
